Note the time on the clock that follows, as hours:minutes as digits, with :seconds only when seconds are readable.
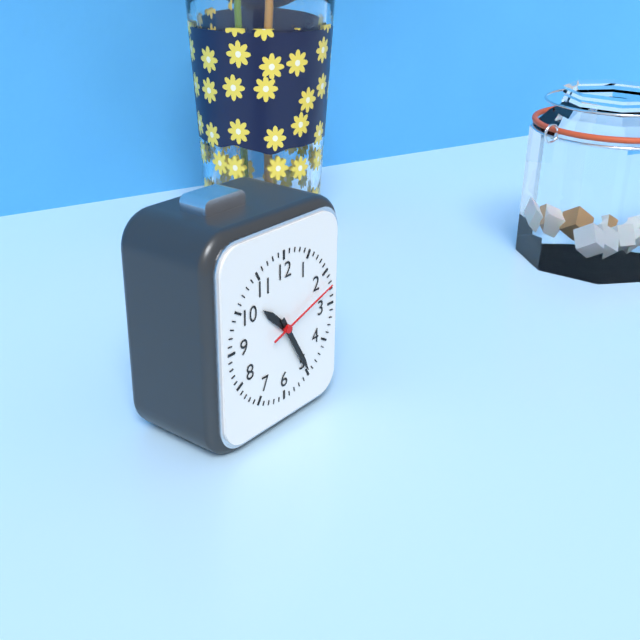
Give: 10:25:12
